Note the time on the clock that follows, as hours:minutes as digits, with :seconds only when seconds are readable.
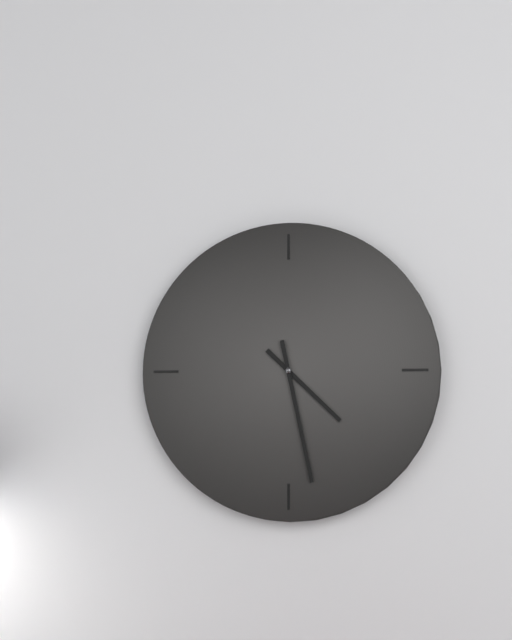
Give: 4:28
